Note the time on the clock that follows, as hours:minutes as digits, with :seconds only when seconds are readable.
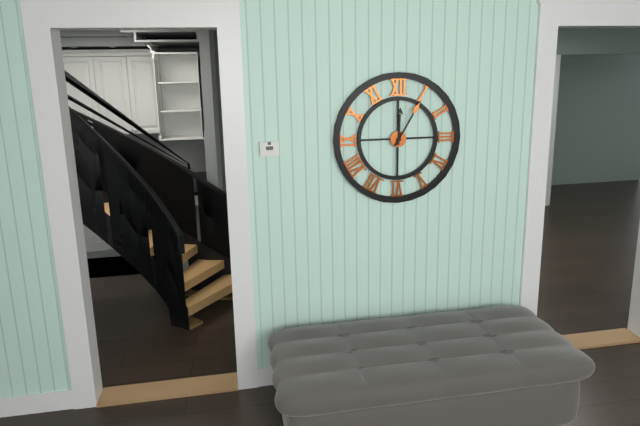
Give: 12:05
